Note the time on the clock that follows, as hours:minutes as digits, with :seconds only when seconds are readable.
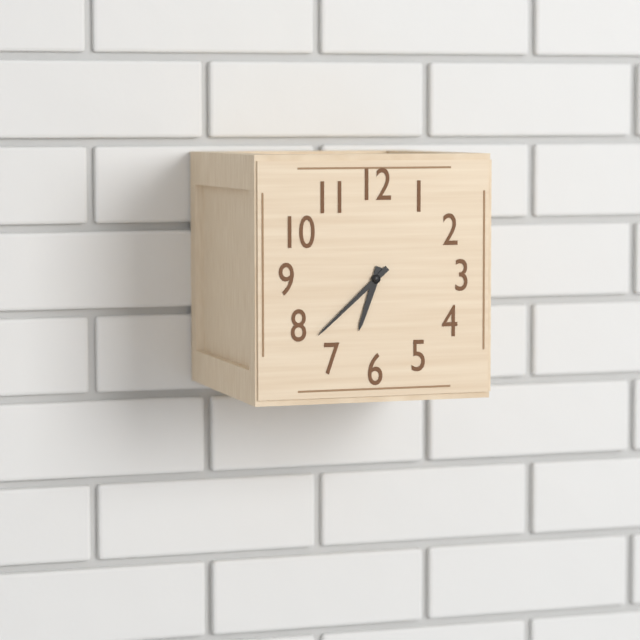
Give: 6:38
